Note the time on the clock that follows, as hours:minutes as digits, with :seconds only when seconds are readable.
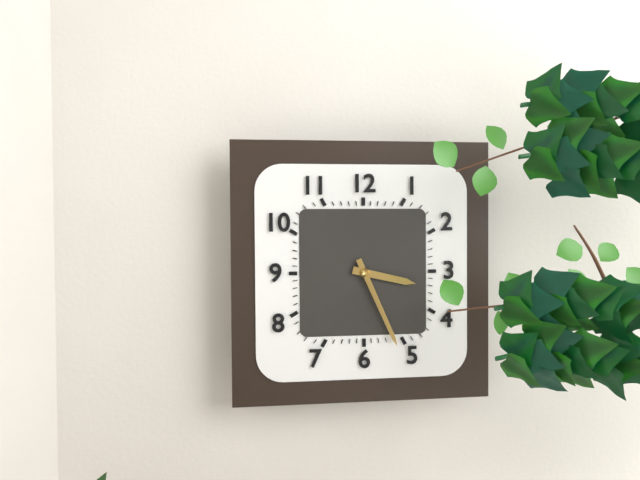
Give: 3:26
